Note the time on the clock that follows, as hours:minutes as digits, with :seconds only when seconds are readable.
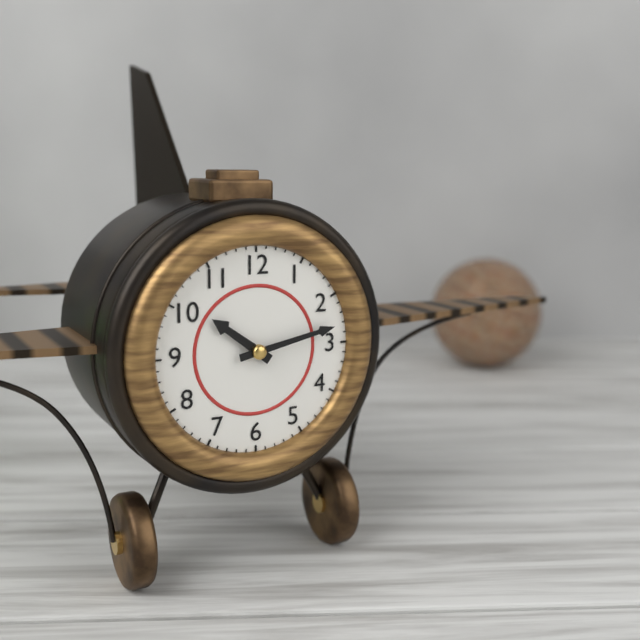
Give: 10:13
